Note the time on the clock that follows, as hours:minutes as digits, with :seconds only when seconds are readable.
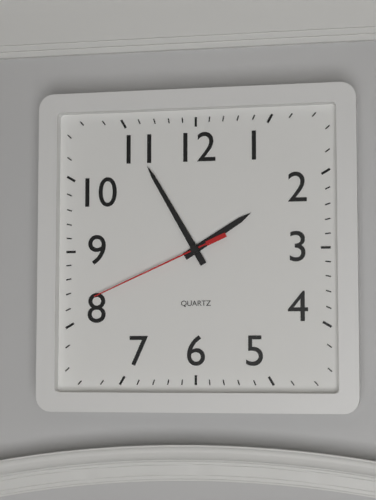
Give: 1:55:41
